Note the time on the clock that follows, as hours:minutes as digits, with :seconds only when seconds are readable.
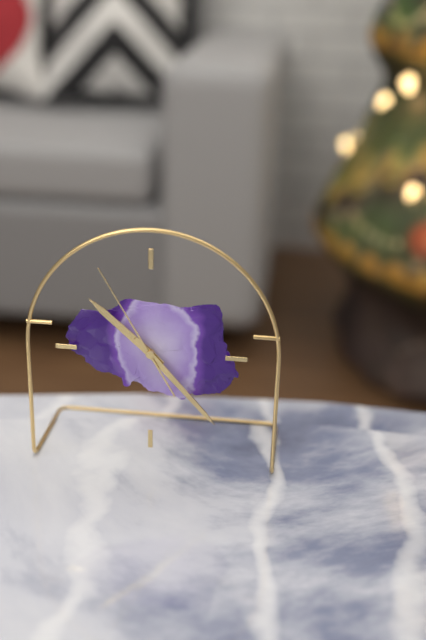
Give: 10:23:55
